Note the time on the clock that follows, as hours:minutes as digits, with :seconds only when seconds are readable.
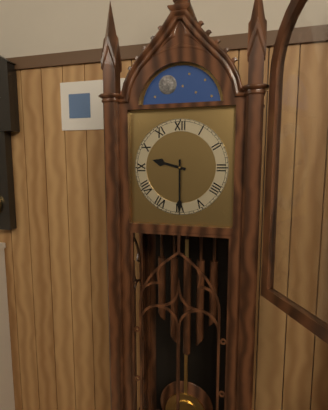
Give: 9:30
